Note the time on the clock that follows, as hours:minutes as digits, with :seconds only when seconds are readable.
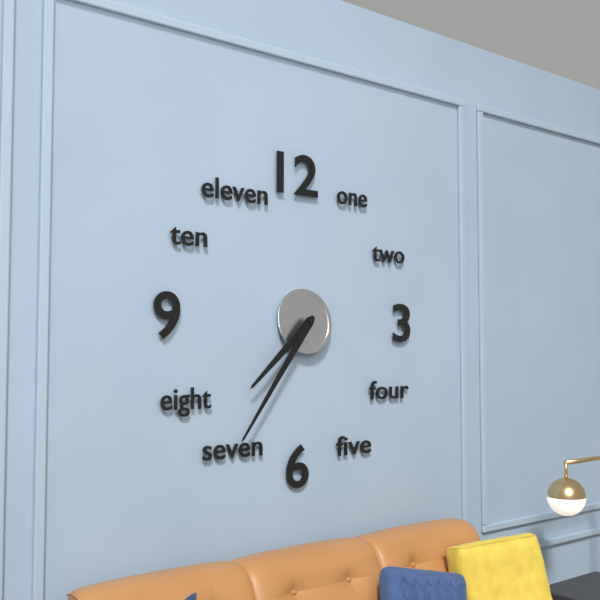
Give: 7:36
